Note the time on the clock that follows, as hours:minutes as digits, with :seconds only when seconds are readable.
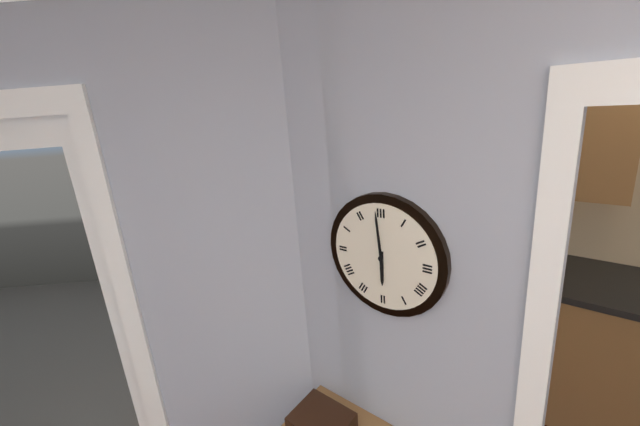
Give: 5:59
